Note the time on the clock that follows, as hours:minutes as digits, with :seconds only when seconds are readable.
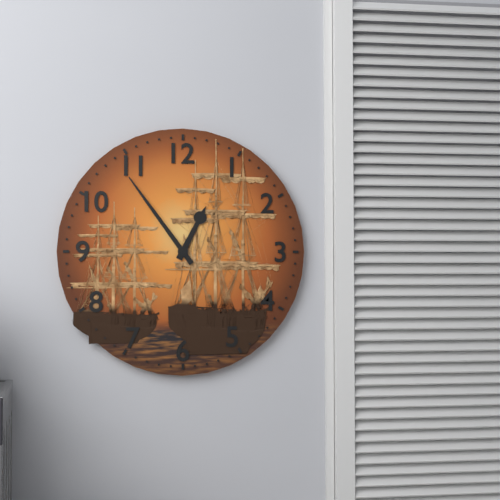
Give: 12:54
